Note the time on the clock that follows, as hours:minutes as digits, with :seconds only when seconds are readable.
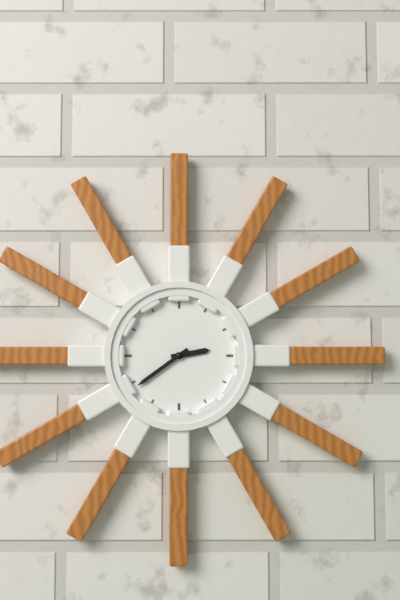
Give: 2:39
